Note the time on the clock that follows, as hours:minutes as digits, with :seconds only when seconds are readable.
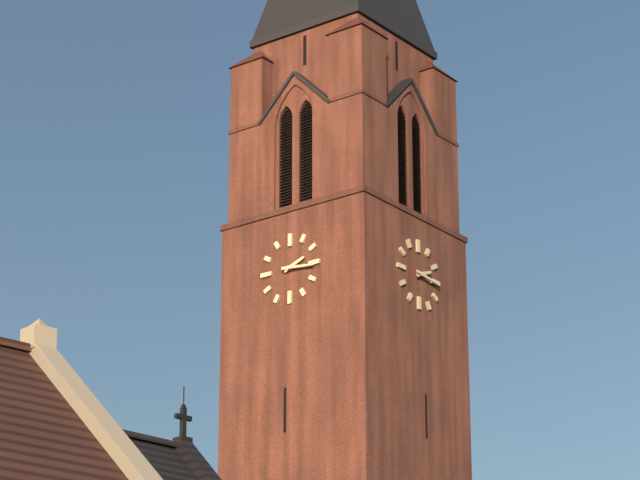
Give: 2:16
